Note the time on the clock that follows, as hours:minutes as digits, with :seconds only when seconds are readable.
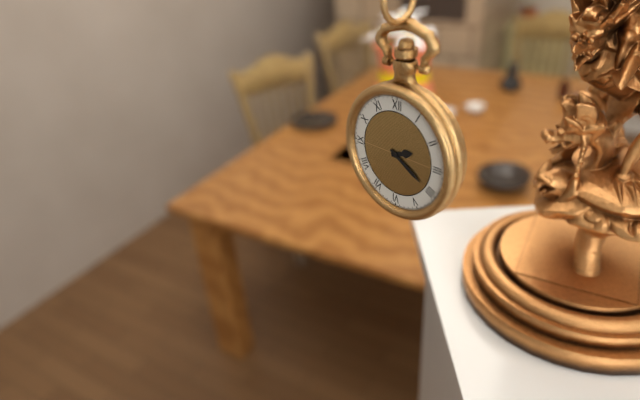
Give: 2:20
